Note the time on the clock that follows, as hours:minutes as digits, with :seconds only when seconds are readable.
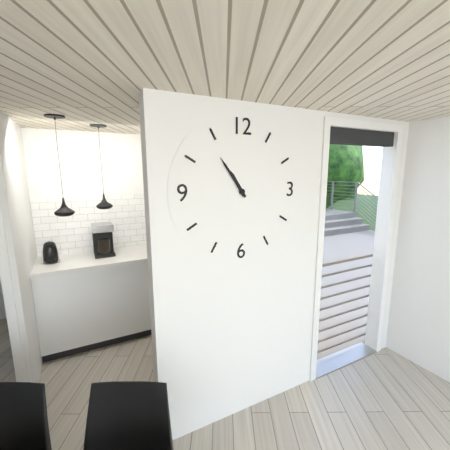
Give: 10:54
